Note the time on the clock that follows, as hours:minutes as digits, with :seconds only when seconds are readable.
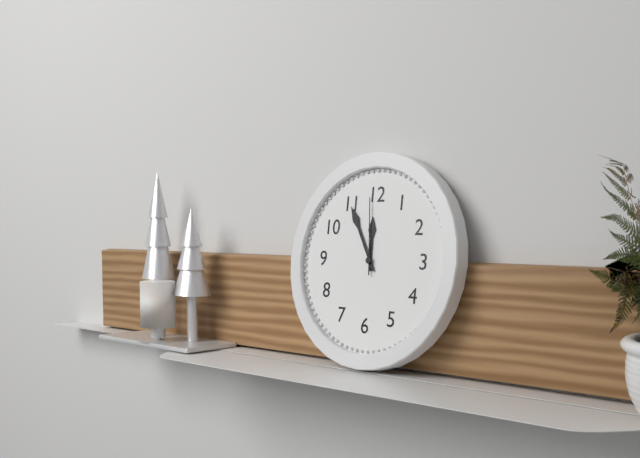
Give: 11:55:59
